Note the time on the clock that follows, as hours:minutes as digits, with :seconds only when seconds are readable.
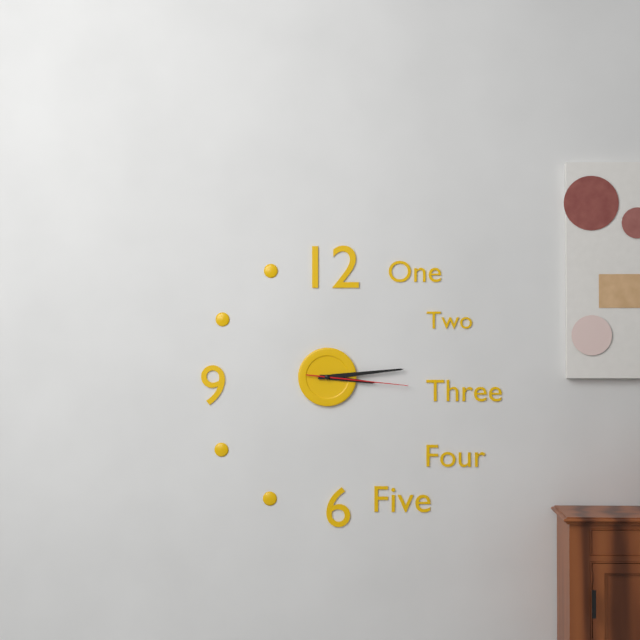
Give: 3:14:16
